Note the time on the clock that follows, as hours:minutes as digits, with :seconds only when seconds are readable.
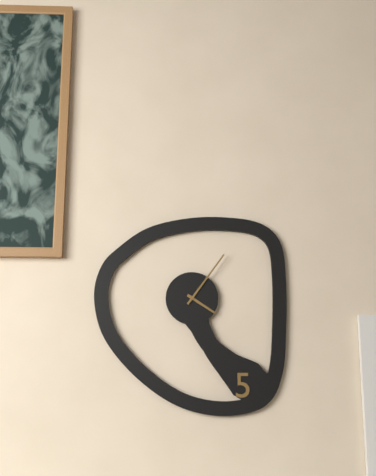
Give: 4:06
